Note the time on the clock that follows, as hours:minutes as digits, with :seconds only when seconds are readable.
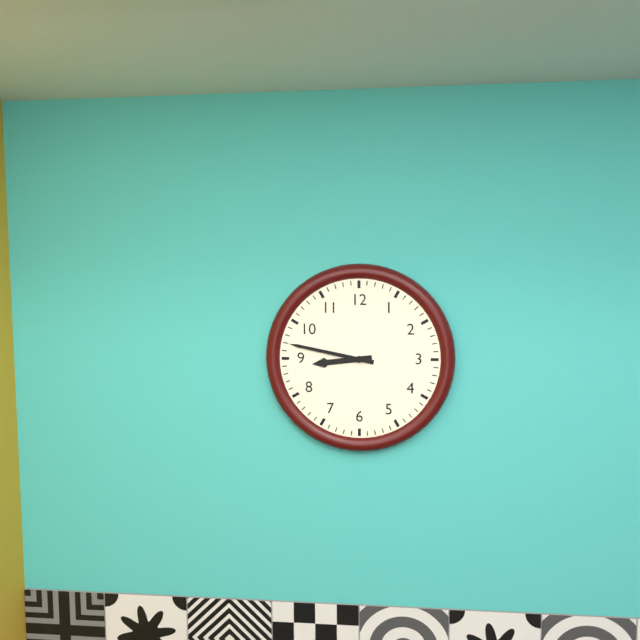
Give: 8:47
